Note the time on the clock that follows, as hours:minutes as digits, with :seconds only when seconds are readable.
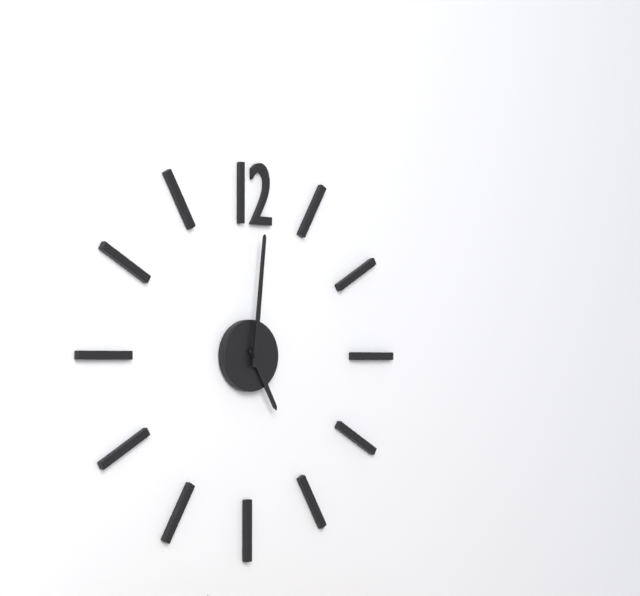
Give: 5:01
